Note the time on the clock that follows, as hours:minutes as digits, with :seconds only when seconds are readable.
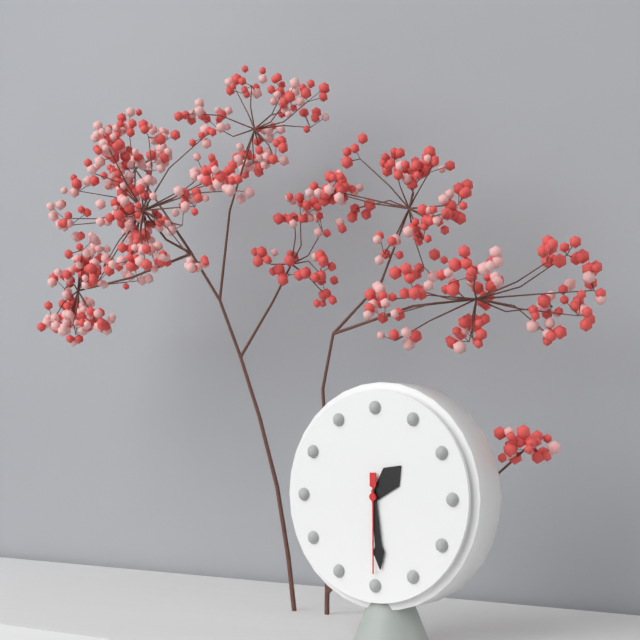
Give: 1:29:30
